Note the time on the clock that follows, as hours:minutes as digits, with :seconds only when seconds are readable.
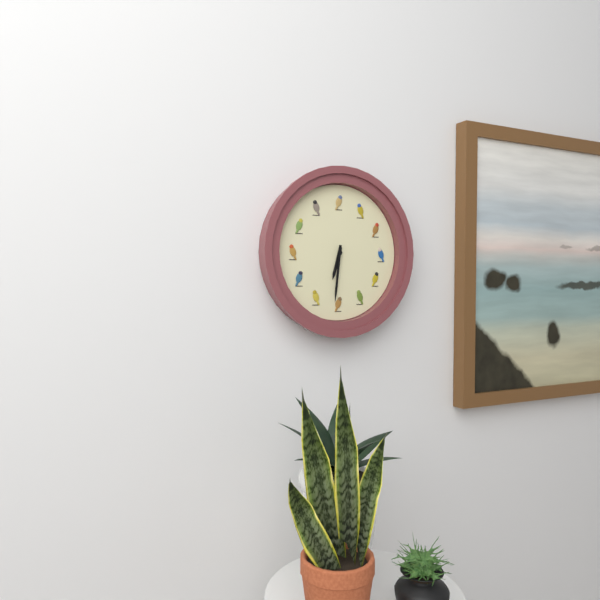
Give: 6:31
